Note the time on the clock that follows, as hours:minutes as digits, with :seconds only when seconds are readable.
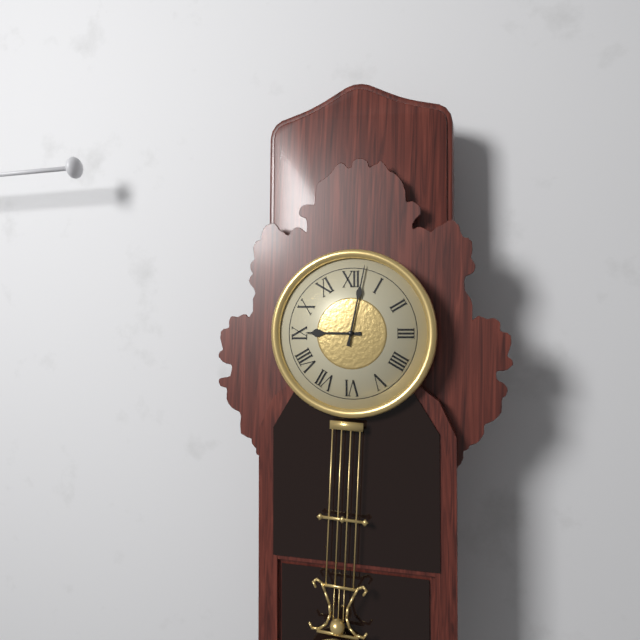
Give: 9:02
